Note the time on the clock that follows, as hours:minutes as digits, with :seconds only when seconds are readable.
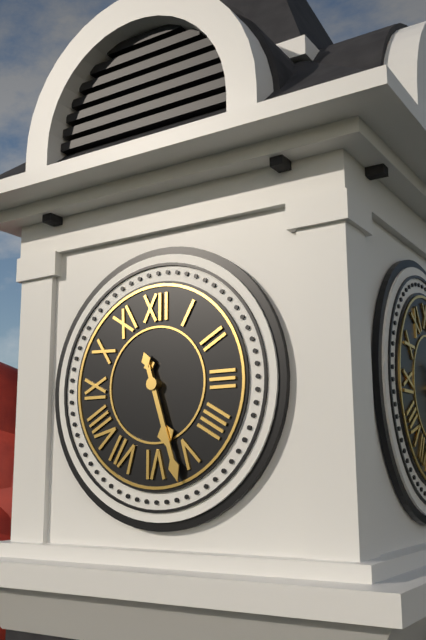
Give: 5:27
